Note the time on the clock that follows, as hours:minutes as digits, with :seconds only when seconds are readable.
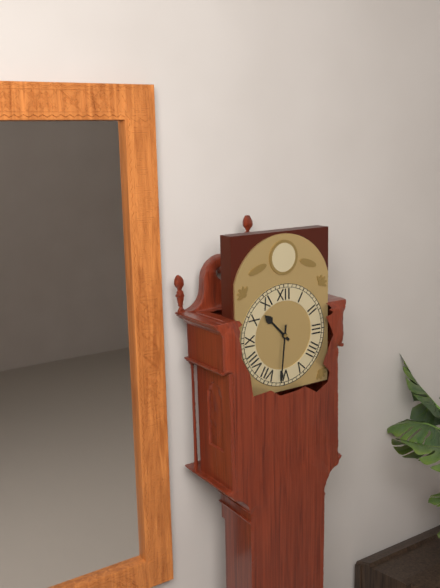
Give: 10:31
